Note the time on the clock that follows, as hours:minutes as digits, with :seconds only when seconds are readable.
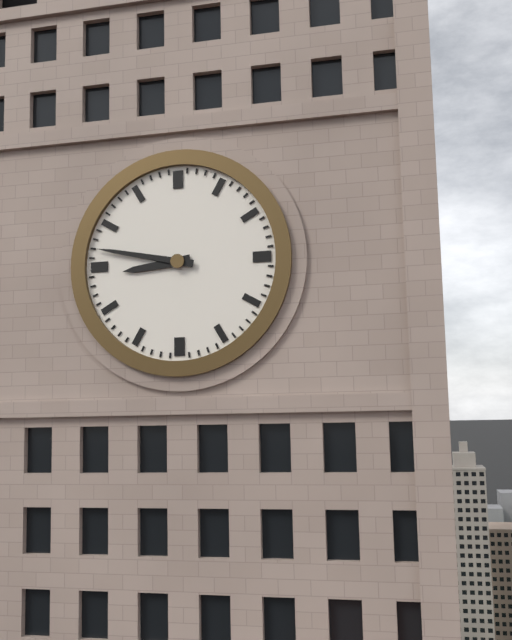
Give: 8:47
